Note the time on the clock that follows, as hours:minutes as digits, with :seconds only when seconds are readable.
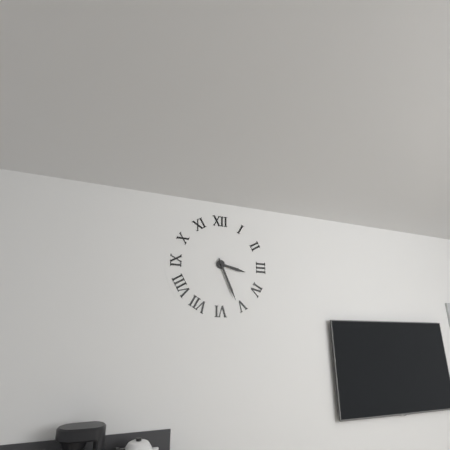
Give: 3:26
